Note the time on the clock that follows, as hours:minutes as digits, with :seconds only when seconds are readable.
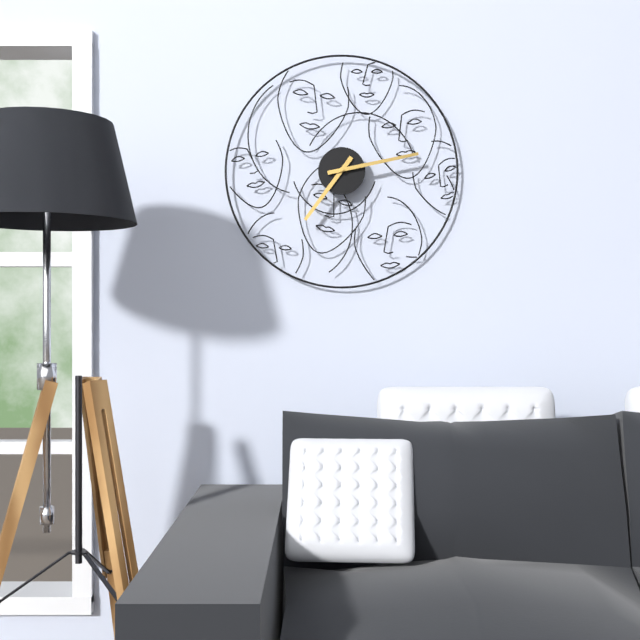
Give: 7:13
